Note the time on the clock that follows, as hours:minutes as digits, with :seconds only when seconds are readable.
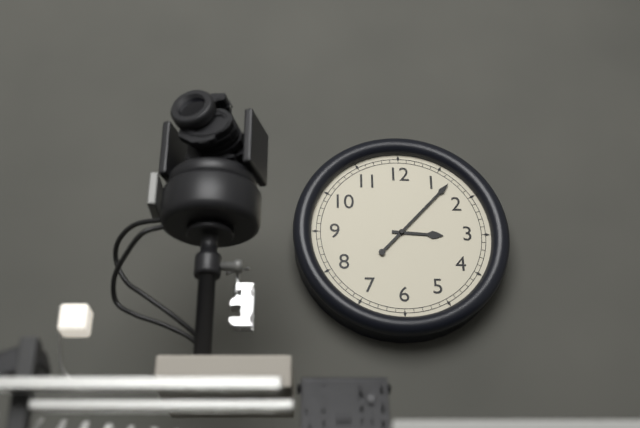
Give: 3:07
